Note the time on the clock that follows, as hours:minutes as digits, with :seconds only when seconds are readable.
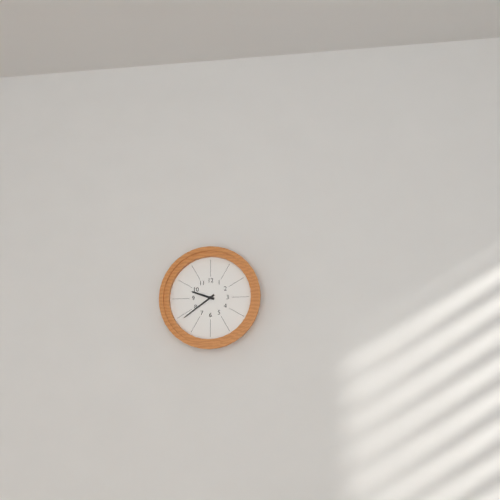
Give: 9:39
